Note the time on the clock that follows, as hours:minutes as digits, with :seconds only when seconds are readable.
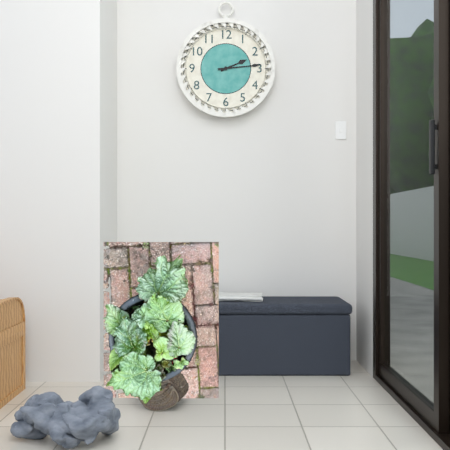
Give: 2:14
